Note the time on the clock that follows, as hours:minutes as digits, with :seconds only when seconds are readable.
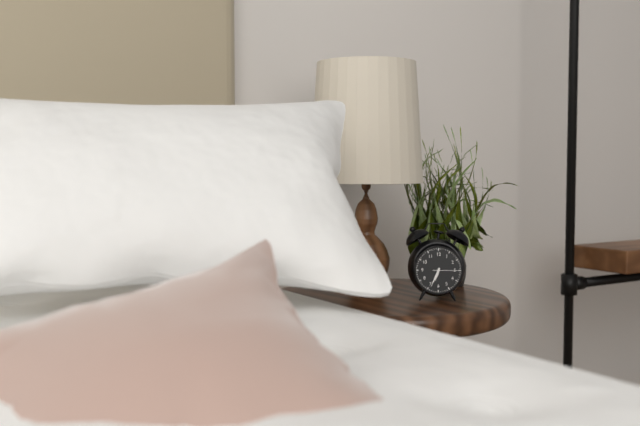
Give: 6:34
